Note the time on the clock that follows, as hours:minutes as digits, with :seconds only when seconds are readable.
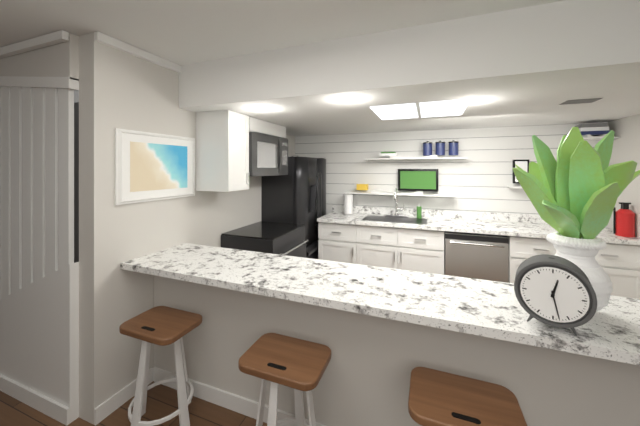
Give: 12:28
